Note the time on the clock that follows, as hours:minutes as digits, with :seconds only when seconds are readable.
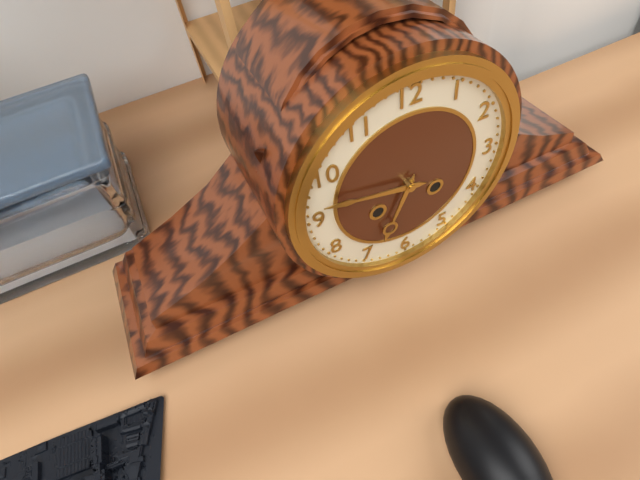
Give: 6:47
